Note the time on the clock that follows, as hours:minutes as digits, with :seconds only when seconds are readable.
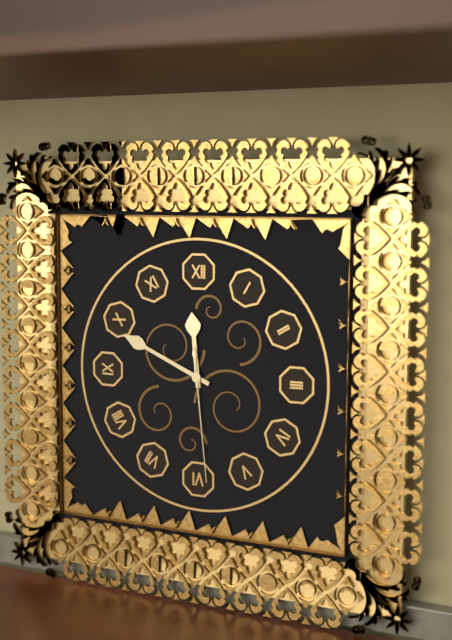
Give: 11:49:29
